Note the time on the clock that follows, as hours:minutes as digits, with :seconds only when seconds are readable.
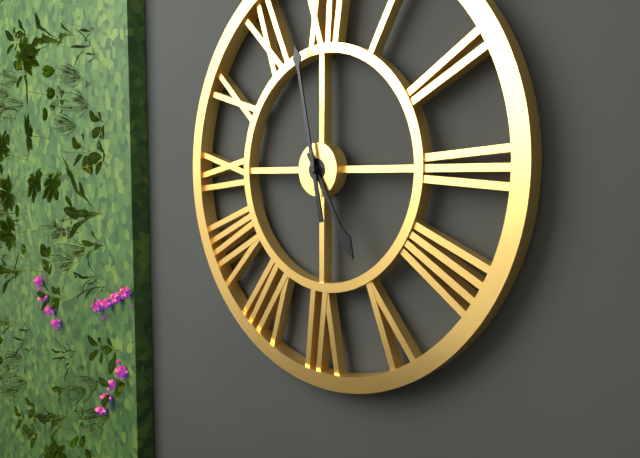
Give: 4:58
